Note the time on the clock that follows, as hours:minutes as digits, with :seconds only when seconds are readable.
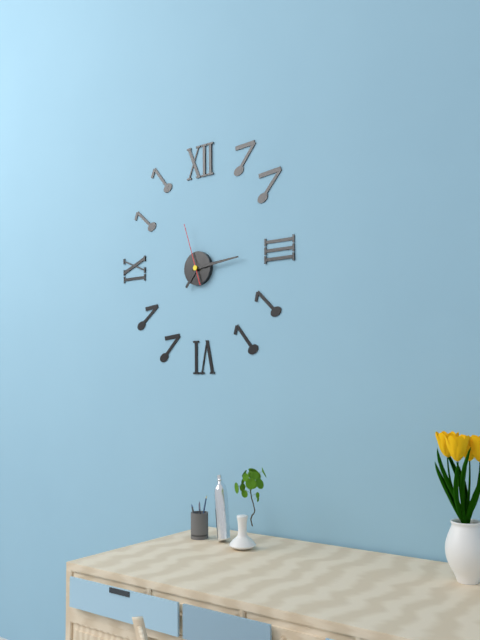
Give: 7:14:57
